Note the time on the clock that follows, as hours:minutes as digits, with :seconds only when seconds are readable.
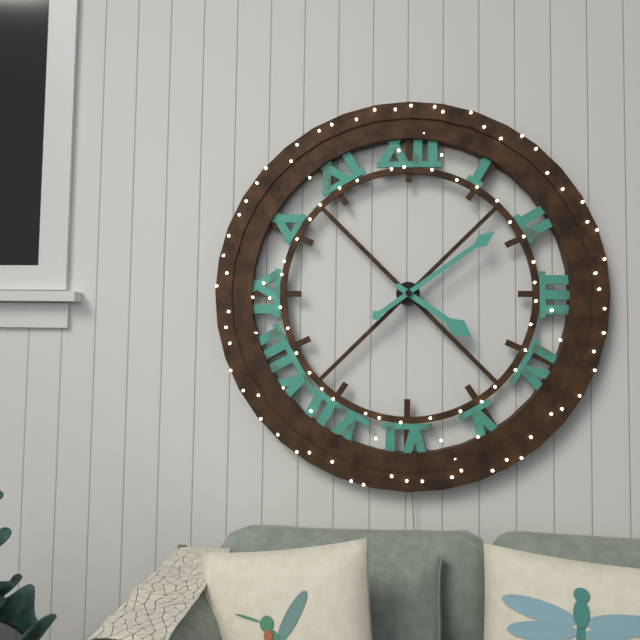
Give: 4:09
